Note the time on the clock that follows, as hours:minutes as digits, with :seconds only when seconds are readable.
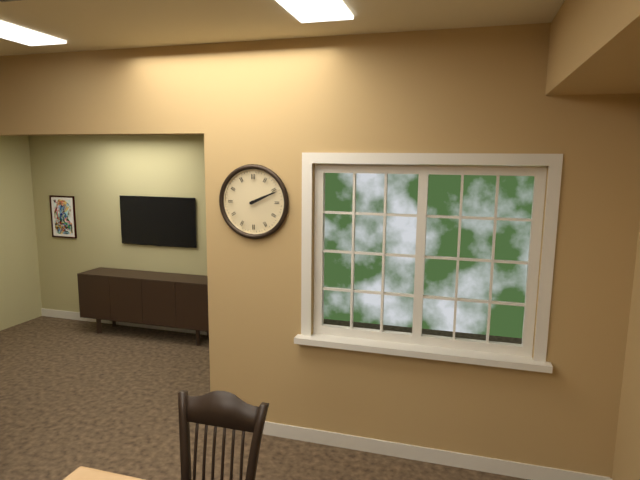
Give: 2:11
